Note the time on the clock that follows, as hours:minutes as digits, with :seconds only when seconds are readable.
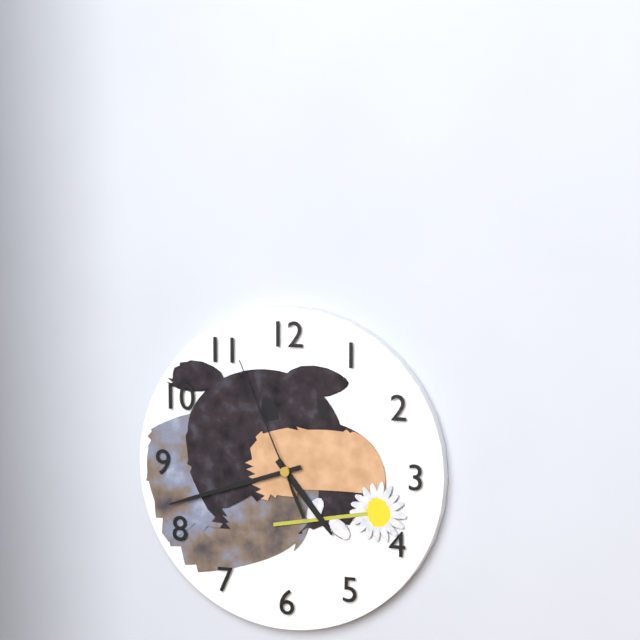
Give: 4:42:56
